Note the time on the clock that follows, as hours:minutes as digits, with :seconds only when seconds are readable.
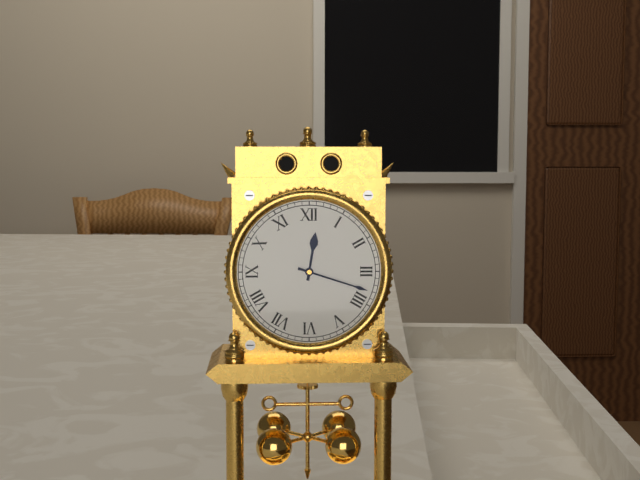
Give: 12:18
